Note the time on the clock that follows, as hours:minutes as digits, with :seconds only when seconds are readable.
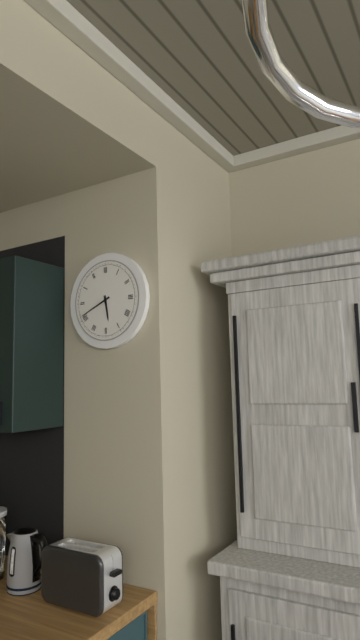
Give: 5:41
